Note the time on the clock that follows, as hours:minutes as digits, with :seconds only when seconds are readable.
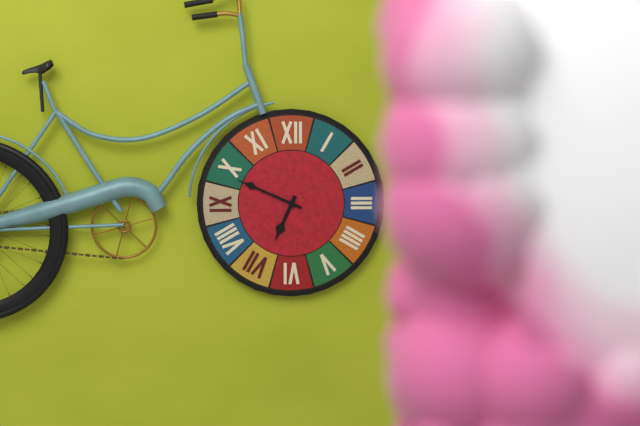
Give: 6:49
